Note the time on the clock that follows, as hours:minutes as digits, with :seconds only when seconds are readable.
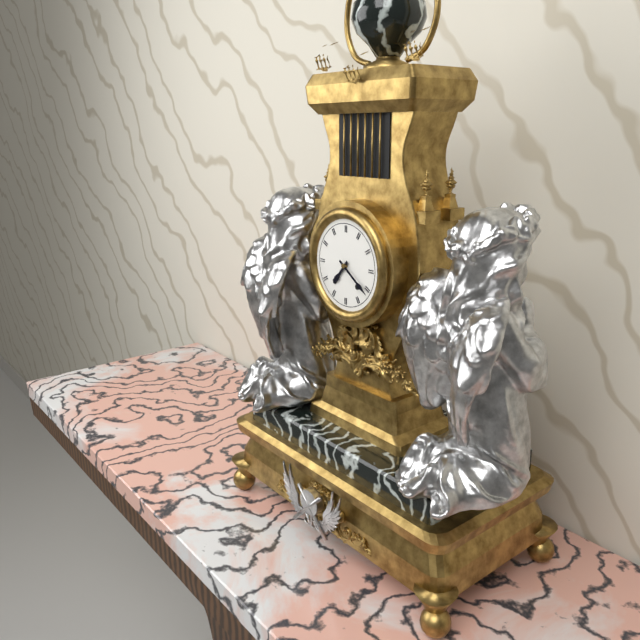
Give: 7:21
